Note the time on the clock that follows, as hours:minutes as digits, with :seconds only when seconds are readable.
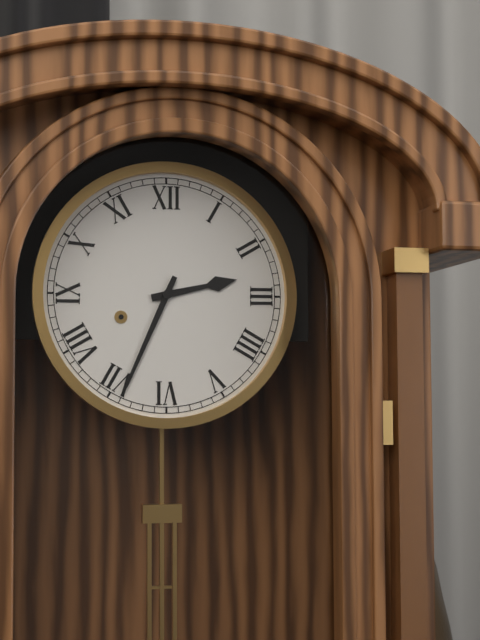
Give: 2:34
